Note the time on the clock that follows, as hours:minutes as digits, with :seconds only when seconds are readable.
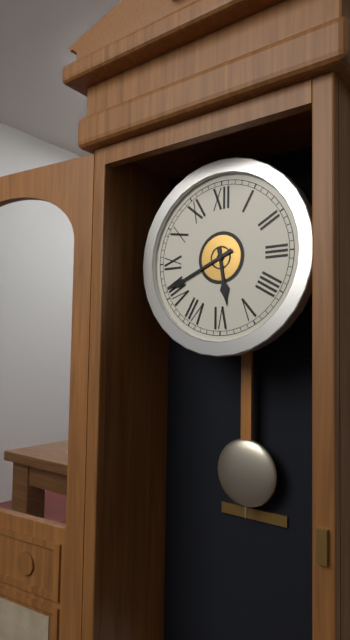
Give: 5:41
